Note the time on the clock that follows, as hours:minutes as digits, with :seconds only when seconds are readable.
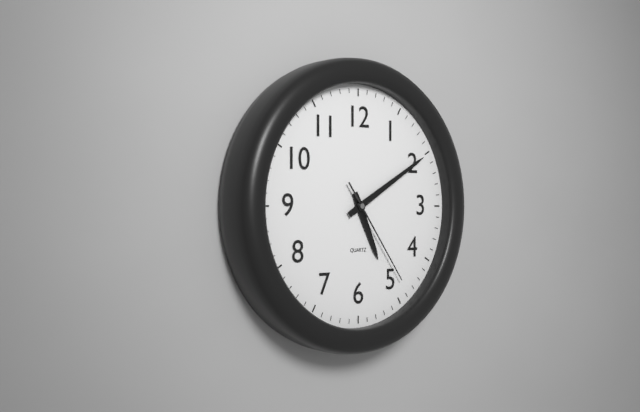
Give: 5:10:24
